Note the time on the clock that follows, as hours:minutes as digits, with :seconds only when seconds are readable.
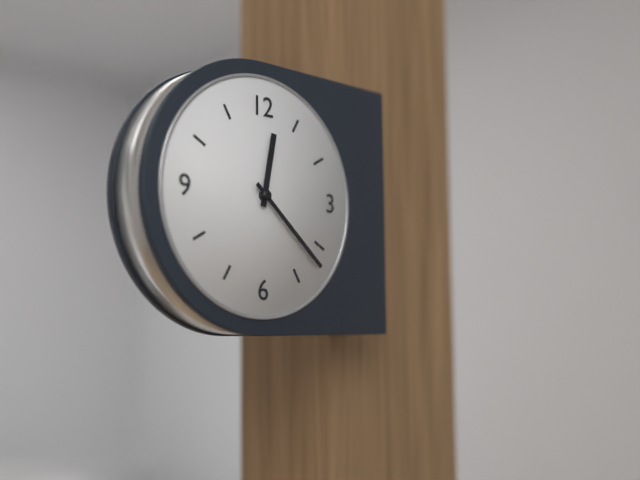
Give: 12:22
